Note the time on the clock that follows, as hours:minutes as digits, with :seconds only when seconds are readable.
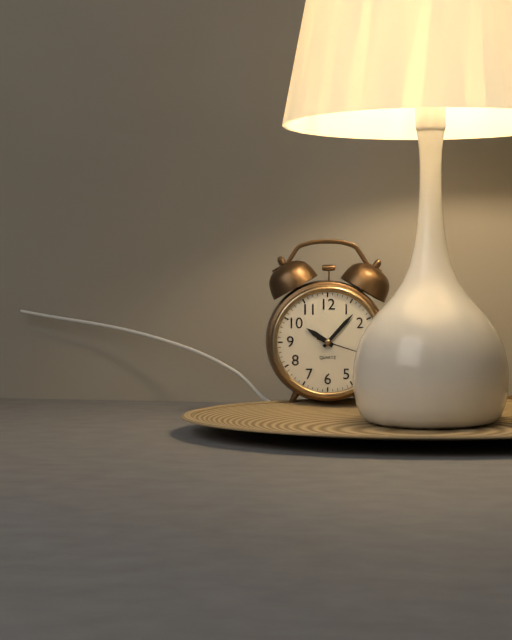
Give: 10:07
